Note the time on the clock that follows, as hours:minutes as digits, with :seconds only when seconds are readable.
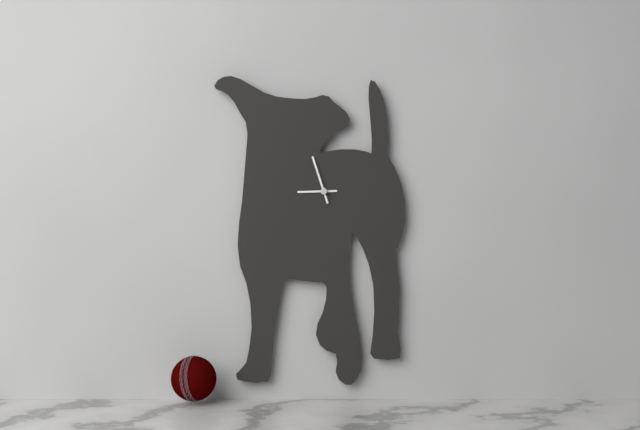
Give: 8:57
